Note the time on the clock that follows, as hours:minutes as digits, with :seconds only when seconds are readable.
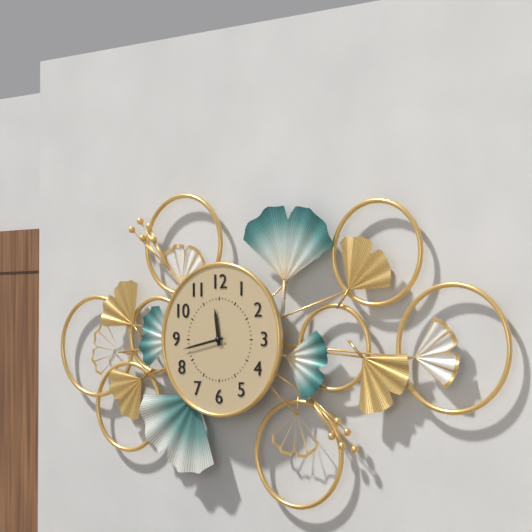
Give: 11:43
